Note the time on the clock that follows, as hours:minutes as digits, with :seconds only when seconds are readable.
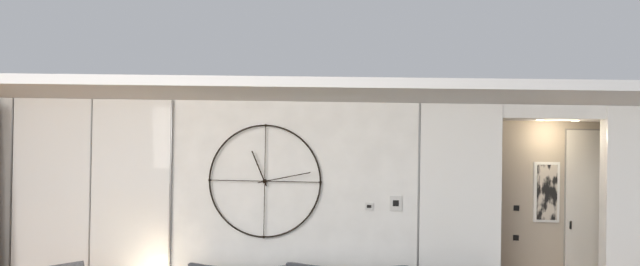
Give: 11:13
